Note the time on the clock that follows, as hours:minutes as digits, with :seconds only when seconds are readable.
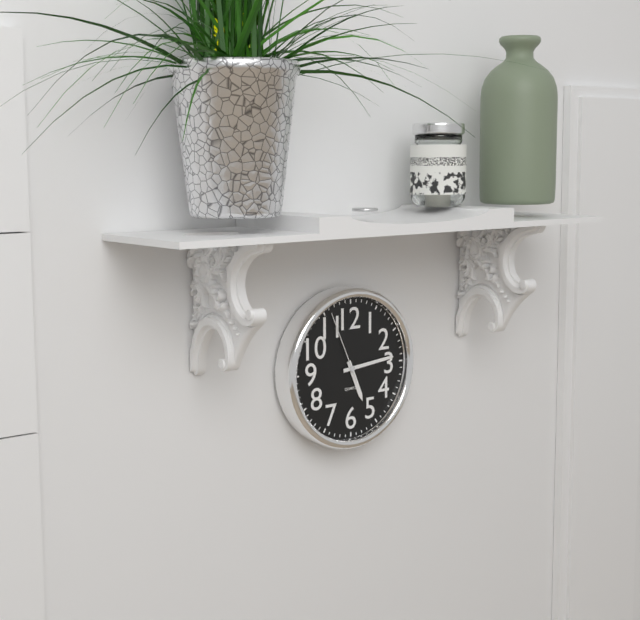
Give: 5:14:56
